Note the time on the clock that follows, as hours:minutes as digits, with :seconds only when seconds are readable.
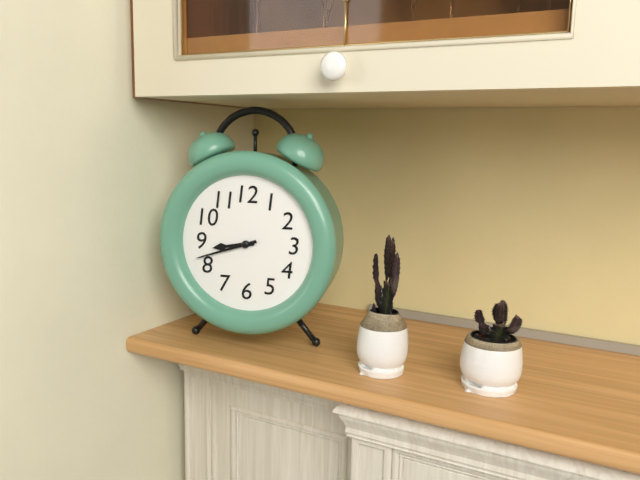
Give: 8:42
